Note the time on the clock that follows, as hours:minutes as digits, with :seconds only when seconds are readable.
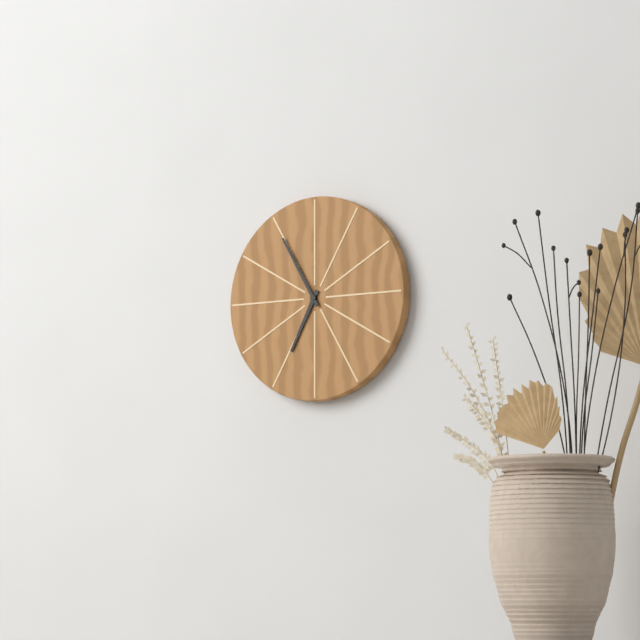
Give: 6:55
